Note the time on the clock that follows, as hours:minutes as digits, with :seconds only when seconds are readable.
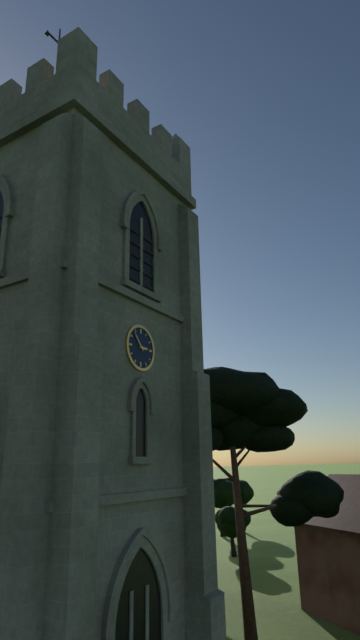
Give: 2:53
